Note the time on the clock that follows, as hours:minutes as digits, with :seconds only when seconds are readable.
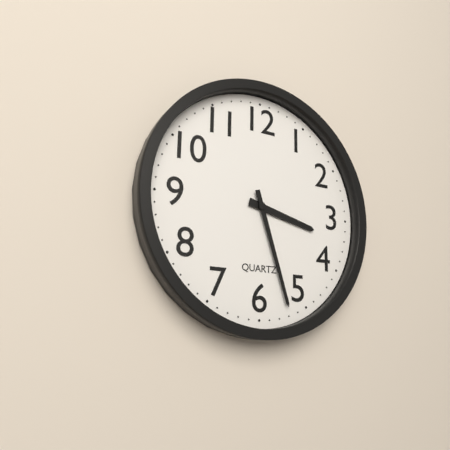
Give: 3:27
